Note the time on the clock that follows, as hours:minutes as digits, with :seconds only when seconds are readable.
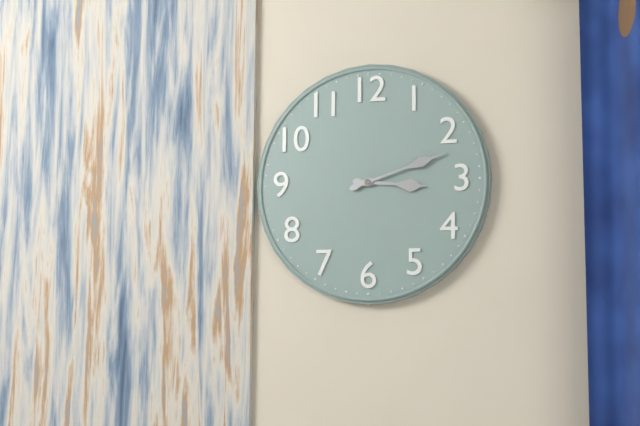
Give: 3:12
